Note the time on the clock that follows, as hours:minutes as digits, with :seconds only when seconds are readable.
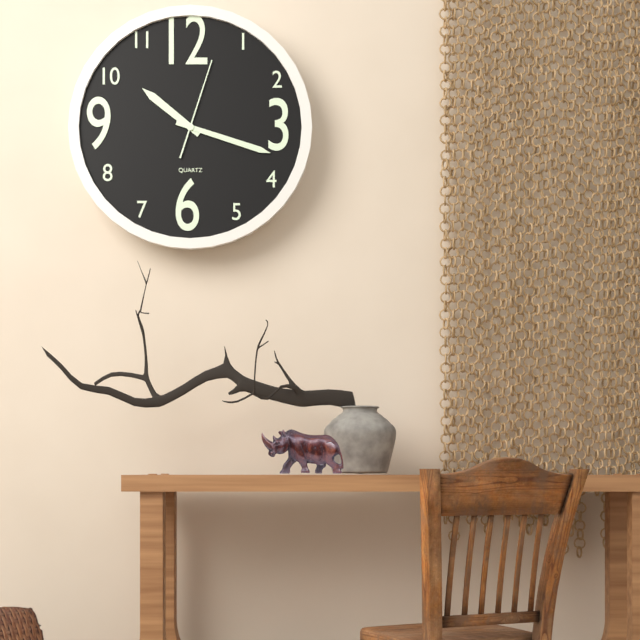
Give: 10:18:03
